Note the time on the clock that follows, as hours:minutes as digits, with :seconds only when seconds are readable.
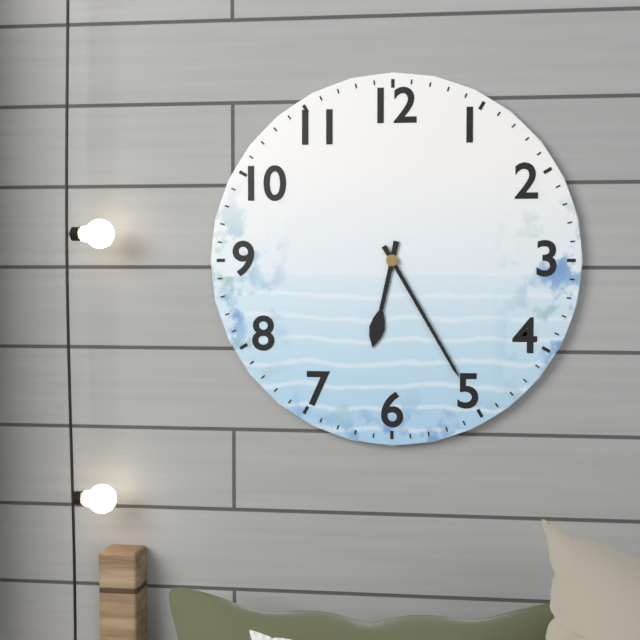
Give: 6:25
